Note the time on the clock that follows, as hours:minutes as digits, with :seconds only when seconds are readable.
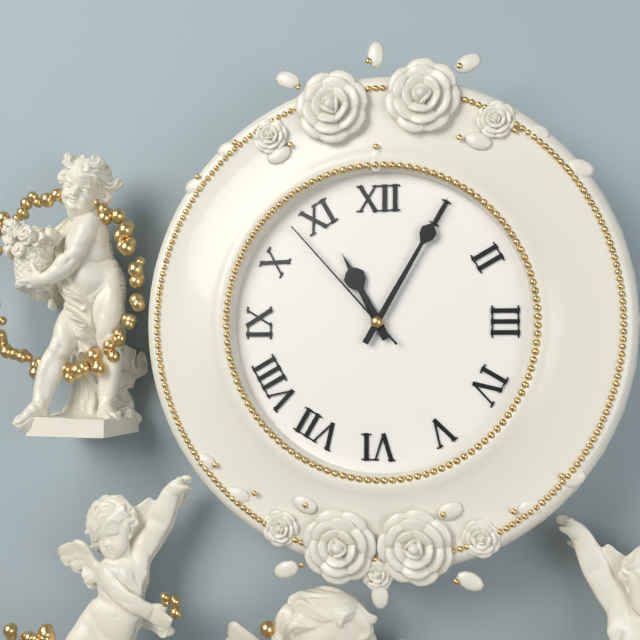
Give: 11:05:53
